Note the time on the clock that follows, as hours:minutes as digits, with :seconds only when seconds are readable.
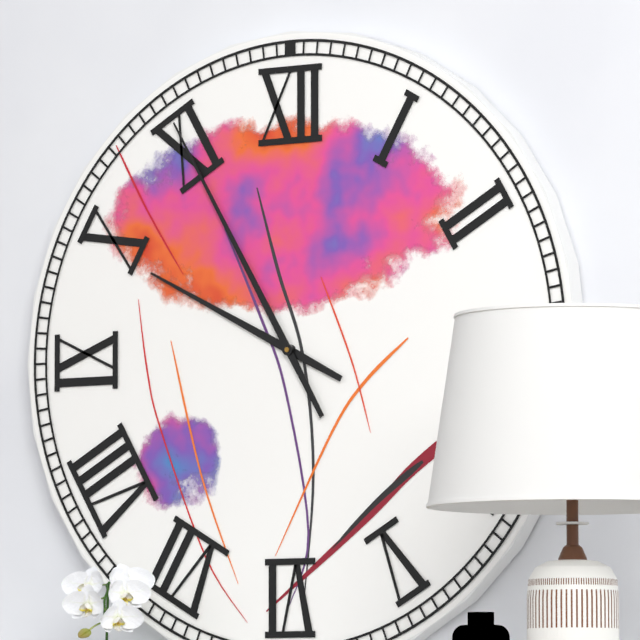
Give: 9:55
